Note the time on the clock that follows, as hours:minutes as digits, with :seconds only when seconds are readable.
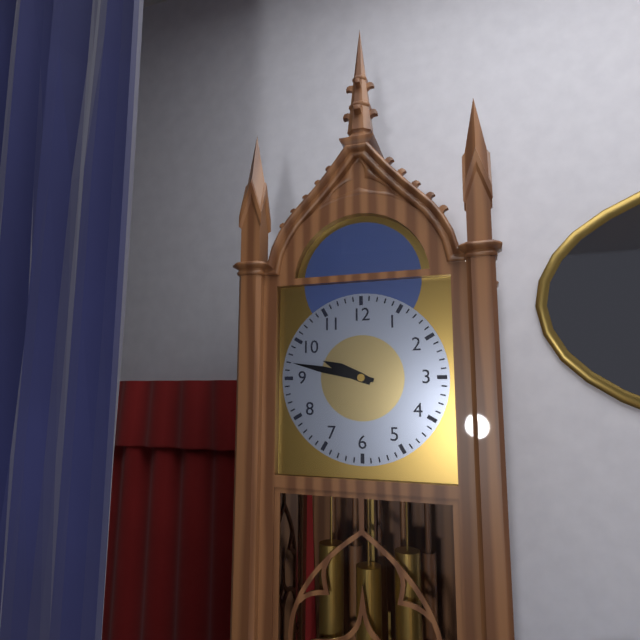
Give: 9:47
